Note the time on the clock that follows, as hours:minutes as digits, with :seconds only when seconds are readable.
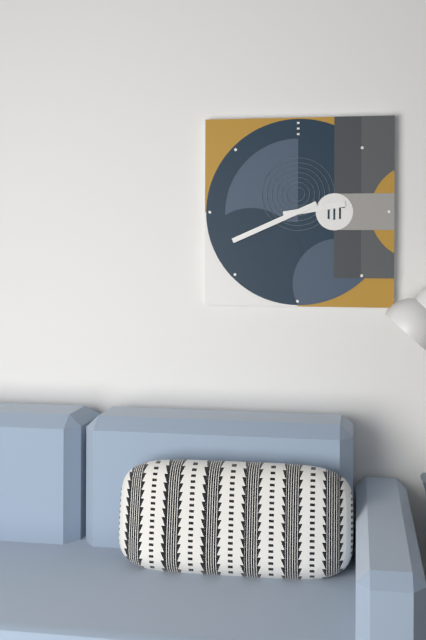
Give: 2:41
